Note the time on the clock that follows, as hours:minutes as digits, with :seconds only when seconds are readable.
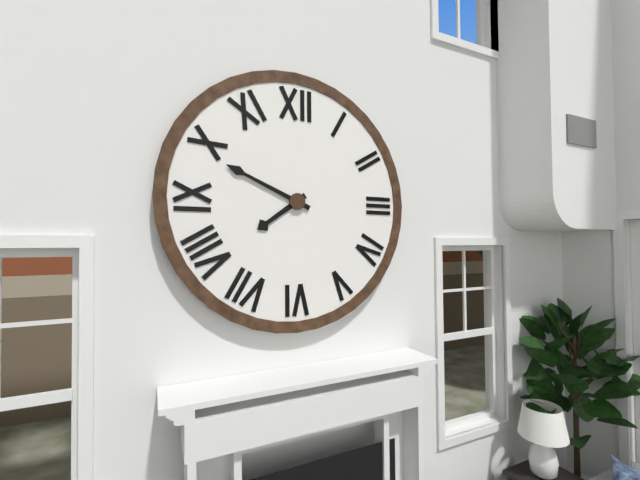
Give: 7:49
